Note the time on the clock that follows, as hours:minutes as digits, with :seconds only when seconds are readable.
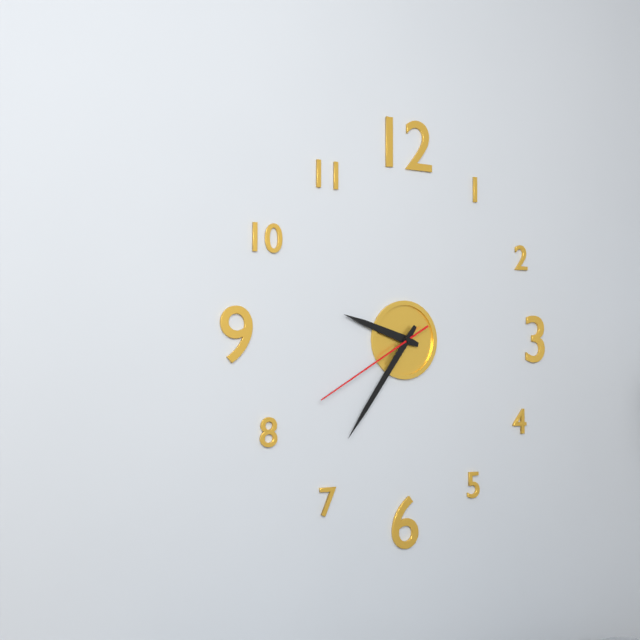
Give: 9:36:40
